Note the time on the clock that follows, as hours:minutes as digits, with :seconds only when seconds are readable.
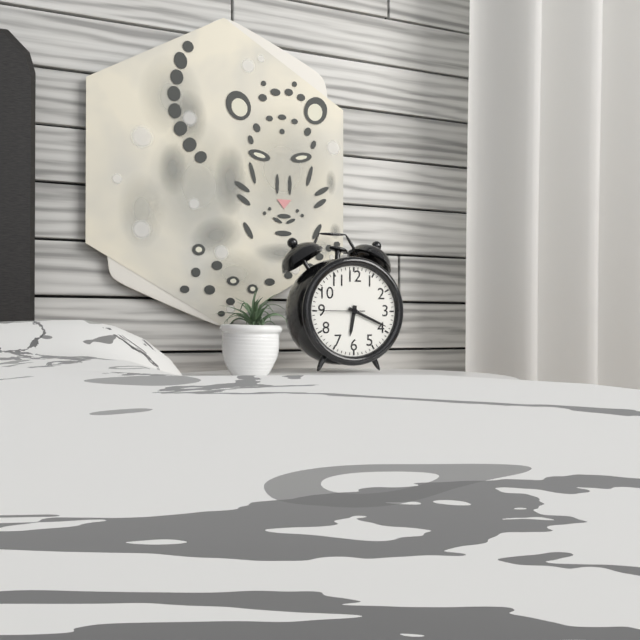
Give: 6:19
